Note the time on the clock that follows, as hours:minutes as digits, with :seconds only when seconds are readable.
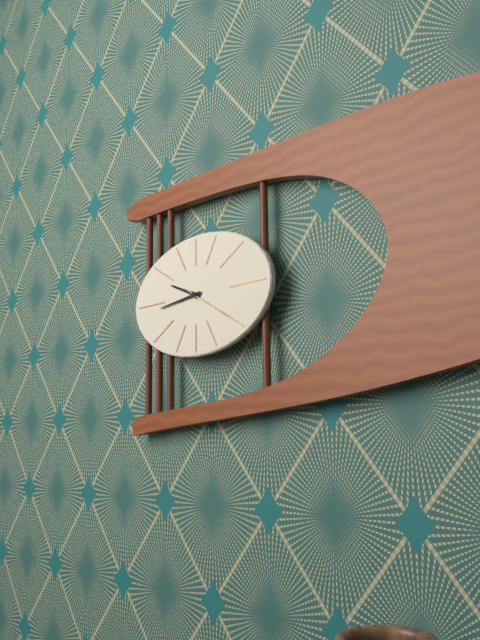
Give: 9:44:20
